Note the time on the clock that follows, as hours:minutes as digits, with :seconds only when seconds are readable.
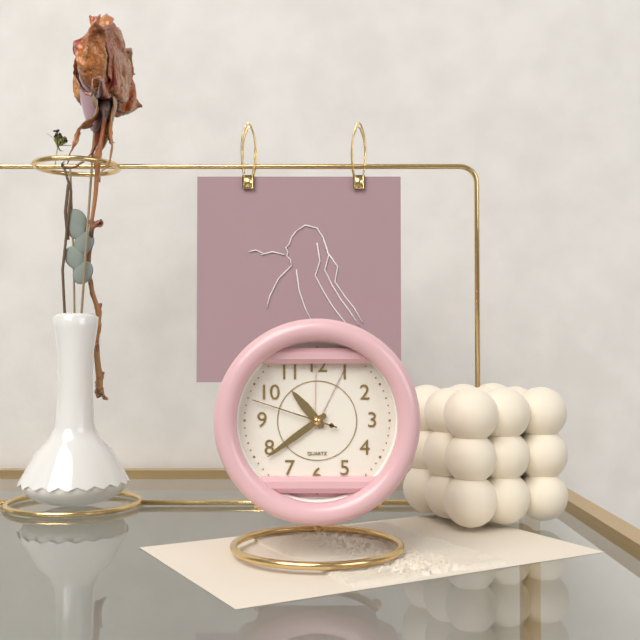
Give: 10:39:48
